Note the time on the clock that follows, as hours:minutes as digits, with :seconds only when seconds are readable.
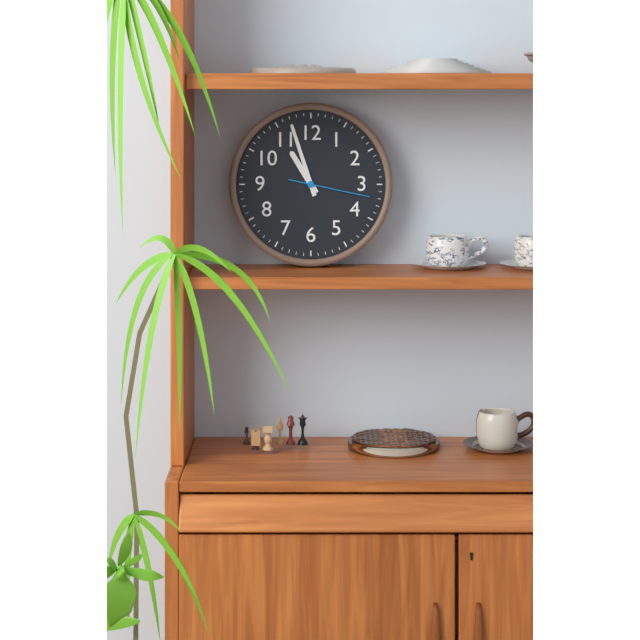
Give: 10:57:17
